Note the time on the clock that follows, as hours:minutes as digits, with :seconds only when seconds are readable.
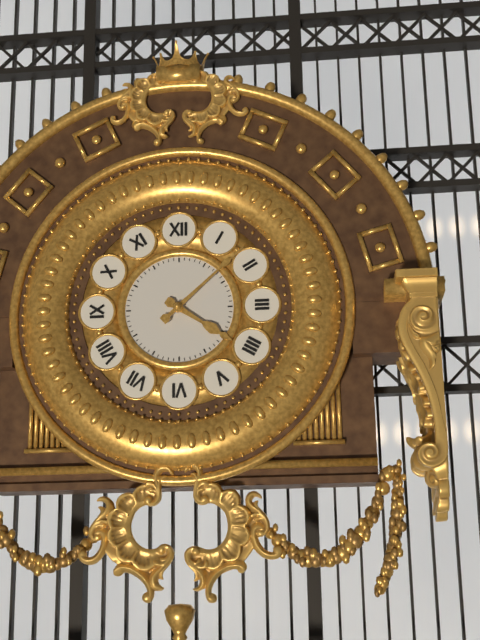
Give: 4:08
